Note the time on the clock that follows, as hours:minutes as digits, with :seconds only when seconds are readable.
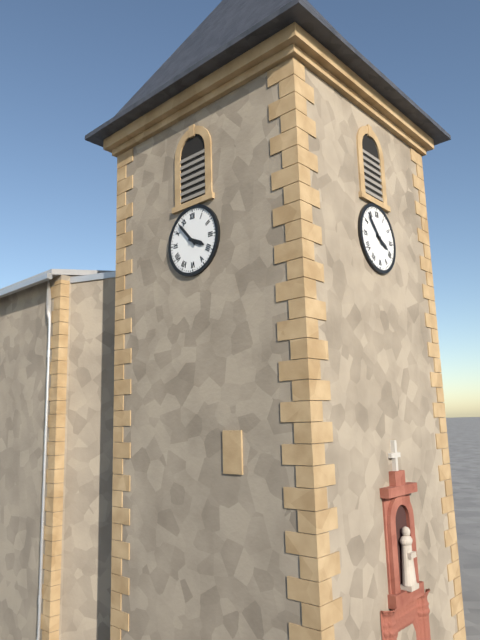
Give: 3:53
